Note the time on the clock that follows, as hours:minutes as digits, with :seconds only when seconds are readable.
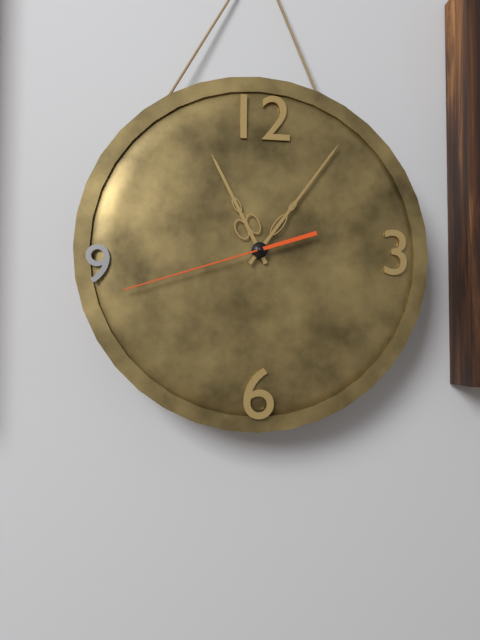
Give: 11:06:42
